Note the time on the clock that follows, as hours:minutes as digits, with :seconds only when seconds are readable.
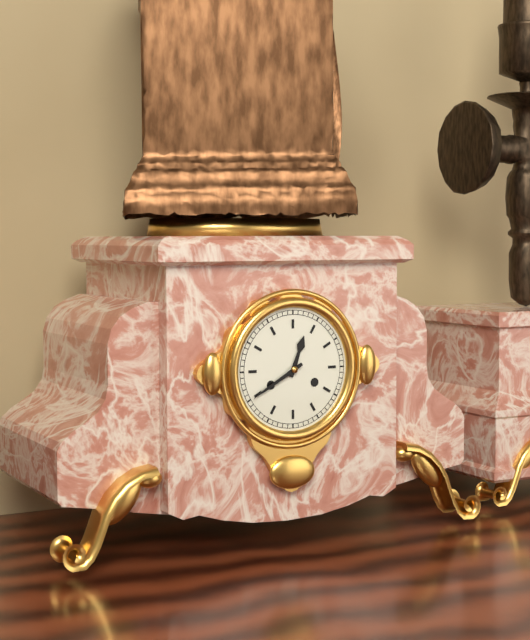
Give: 12:40
